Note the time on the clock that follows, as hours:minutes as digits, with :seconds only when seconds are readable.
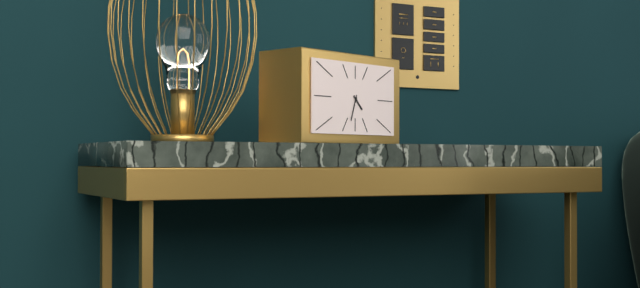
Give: 4:33
